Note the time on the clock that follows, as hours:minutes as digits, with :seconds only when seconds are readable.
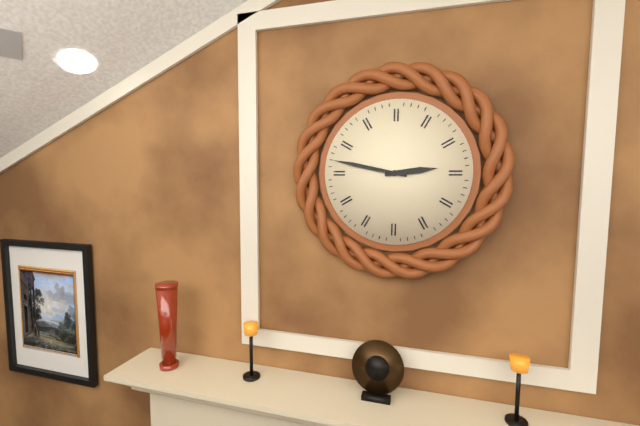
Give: 2:47
